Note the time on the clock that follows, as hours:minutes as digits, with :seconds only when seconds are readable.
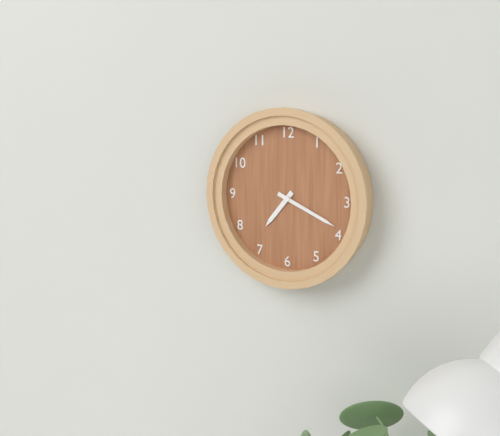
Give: 7:19
